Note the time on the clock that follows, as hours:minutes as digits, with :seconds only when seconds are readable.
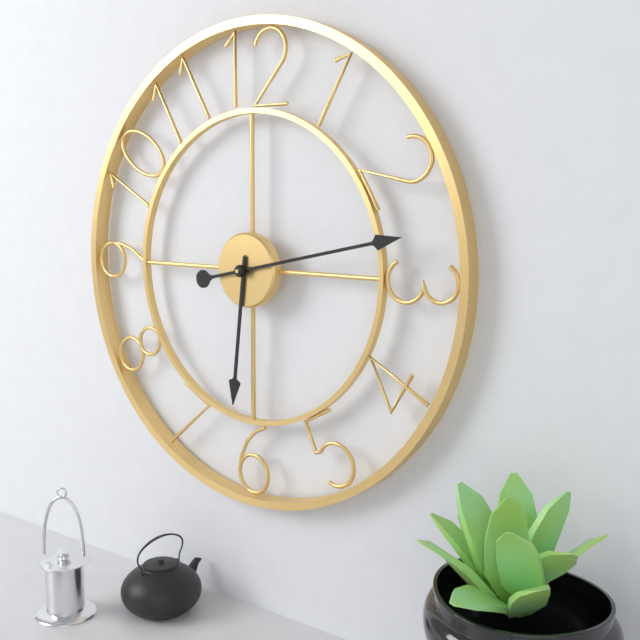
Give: 6:13
